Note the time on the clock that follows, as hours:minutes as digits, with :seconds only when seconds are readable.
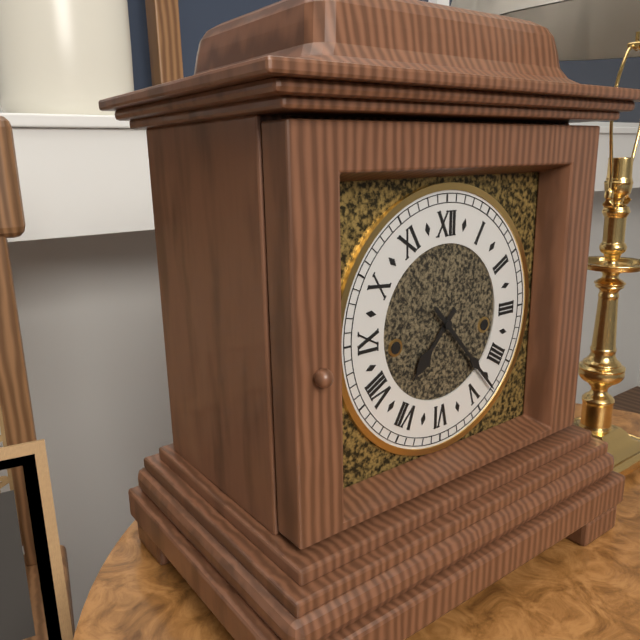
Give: 7:23
